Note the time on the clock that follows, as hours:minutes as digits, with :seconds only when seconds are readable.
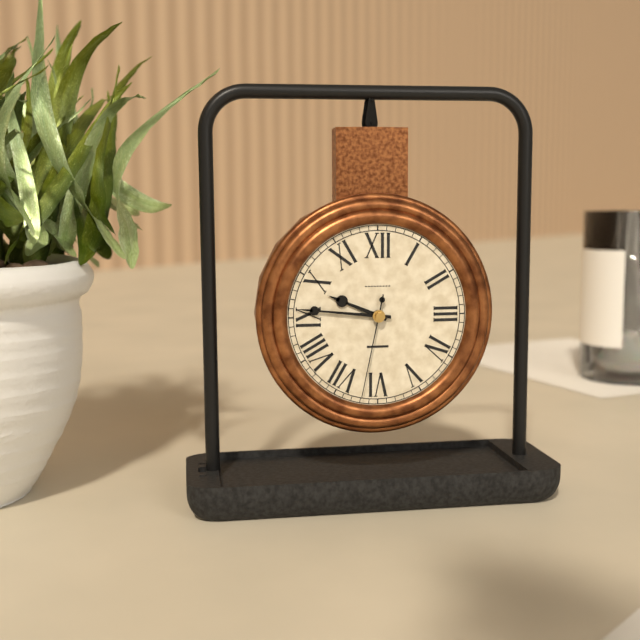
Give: 9:46:32
